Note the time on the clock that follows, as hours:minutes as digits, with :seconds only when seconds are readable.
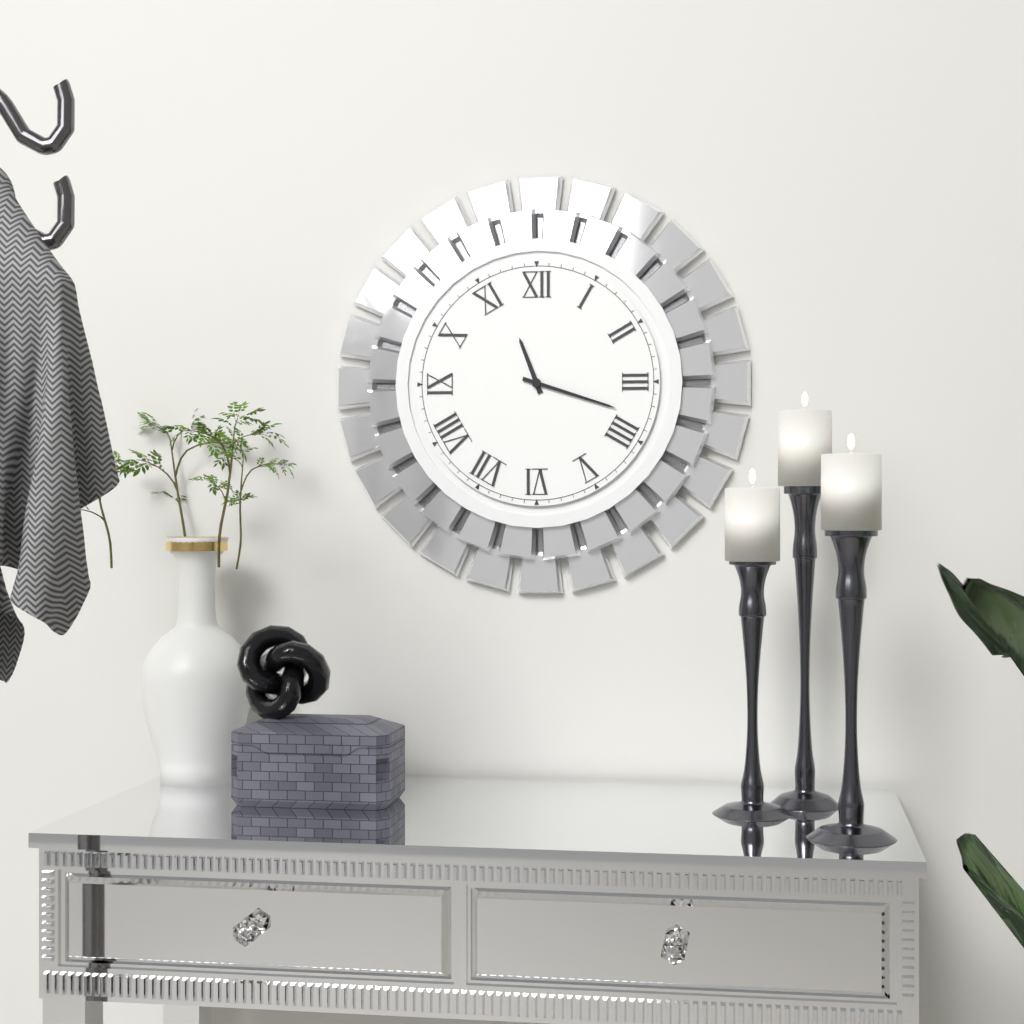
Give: 11:18
